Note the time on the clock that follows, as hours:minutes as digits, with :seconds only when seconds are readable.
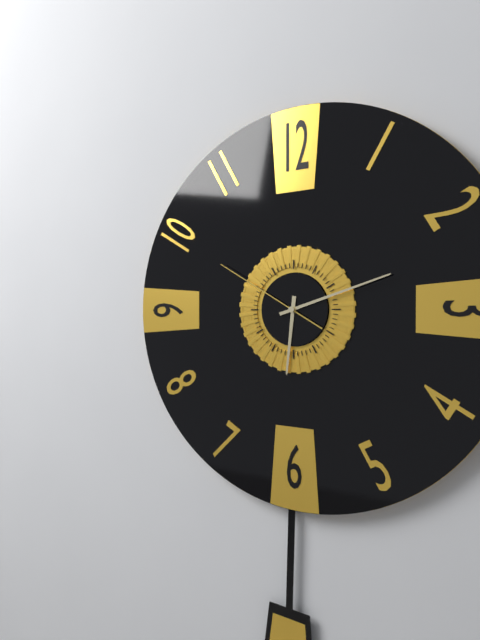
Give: 6:12:50
